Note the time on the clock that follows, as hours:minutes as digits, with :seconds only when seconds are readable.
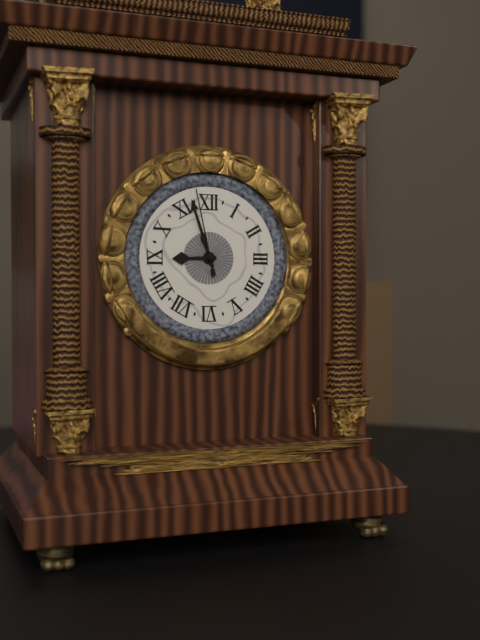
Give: 8:57:58
